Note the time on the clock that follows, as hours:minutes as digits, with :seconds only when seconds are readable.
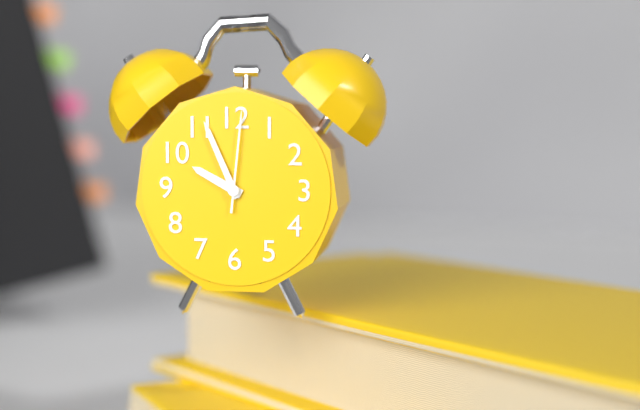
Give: 9:56:01
